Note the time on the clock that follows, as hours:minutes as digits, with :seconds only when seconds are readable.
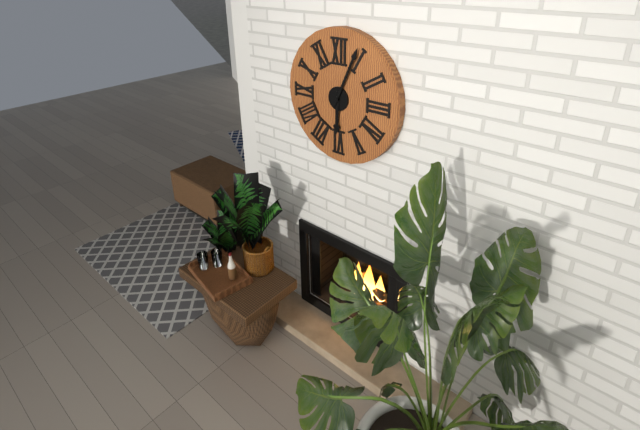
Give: 6:04
